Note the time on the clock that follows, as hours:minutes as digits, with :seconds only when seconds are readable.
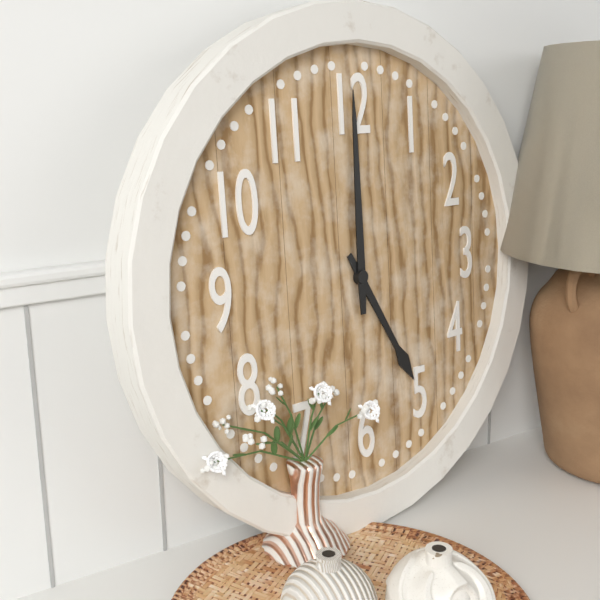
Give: 5:00
